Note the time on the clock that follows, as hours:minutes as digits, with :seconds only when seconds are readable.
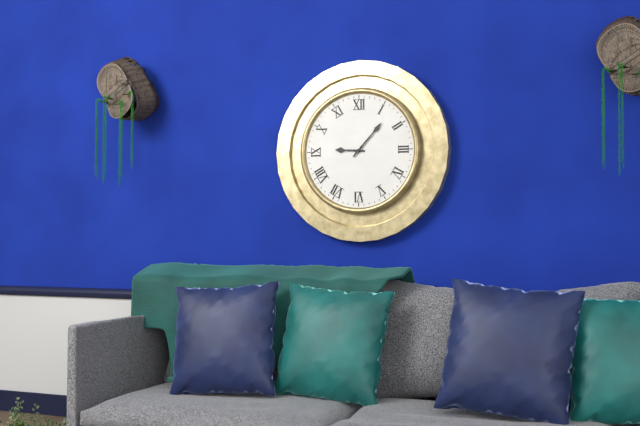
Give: 9:07
